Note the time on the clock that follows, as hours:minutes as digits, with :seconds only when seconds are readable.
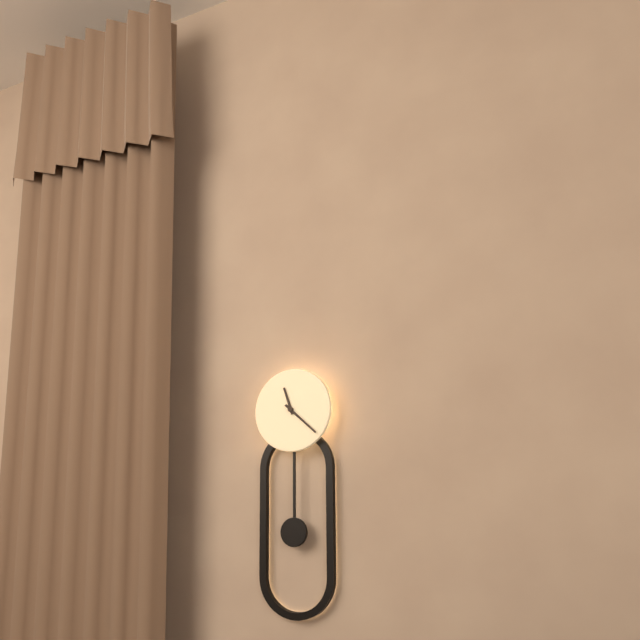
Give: 11:22
